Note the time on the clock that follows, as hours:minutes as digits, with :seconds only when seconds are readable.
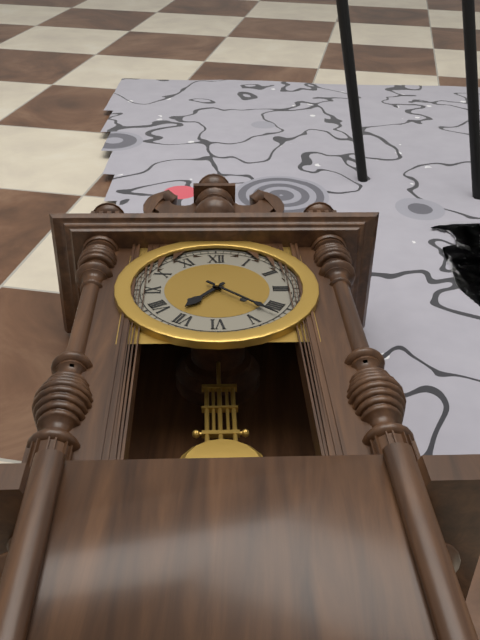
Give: 7:22
